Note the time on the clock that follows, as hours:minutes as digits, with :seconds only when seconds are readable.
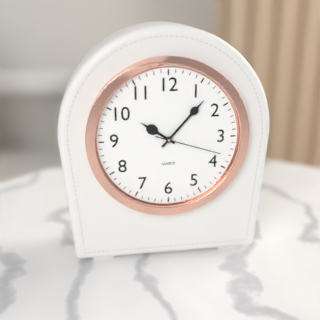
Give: 10:07:18
